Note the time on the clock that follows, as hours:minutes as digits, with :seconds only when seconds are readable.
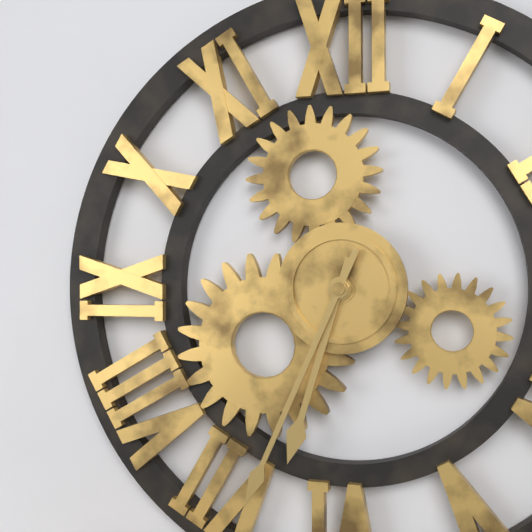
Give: 6:34
